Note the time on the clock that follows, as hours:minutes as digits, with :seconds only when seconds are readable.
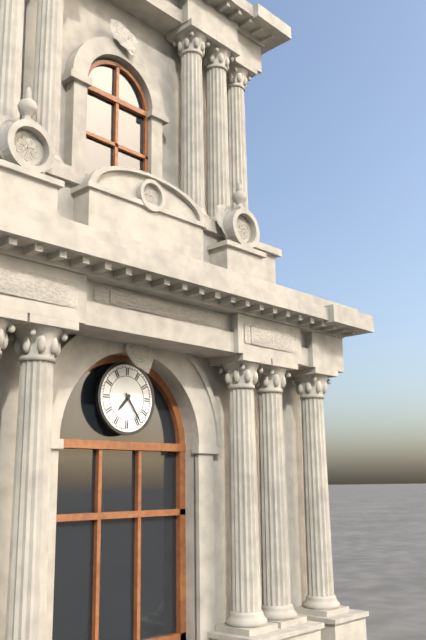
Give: 7:24
